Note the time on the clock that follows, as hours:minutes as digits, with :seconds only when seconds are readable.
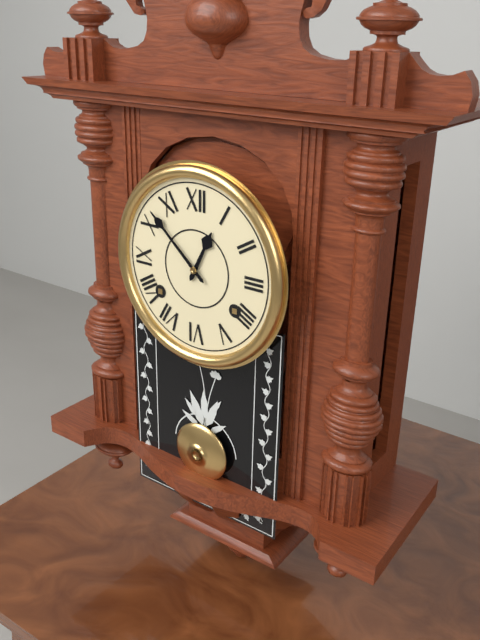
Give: 12:52
